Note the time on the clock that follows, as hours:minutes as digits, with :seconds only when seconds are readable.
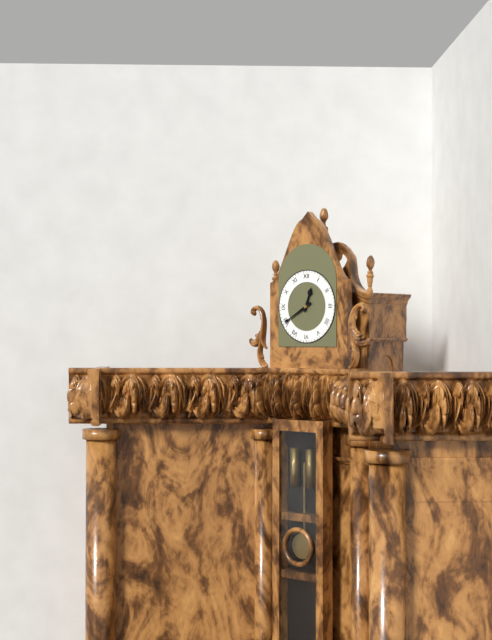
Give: 12:40
